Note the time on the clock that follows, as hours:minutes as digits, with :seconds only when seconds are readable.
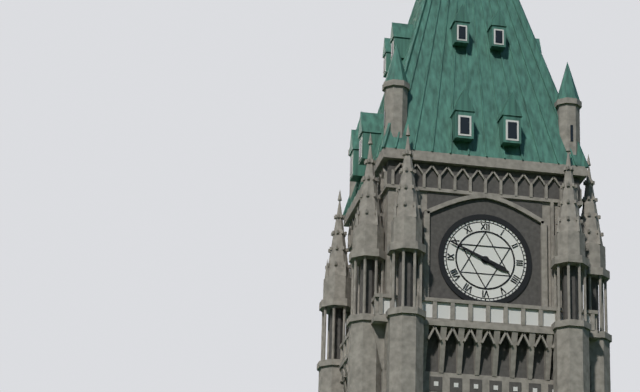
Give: 3:49
